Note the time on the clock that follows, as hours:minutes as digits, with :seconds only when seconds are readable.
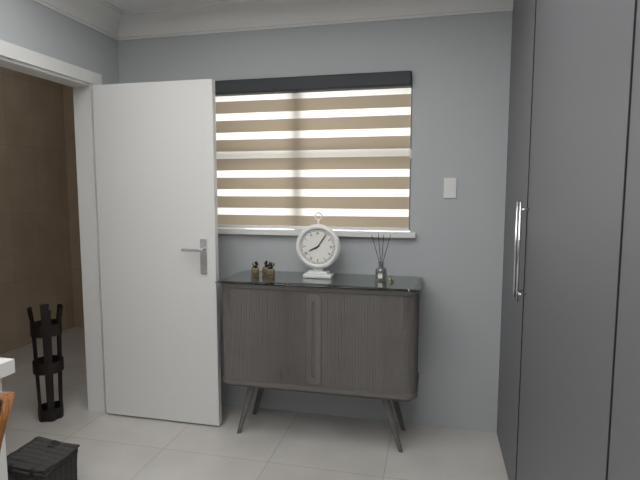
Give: 8:06
